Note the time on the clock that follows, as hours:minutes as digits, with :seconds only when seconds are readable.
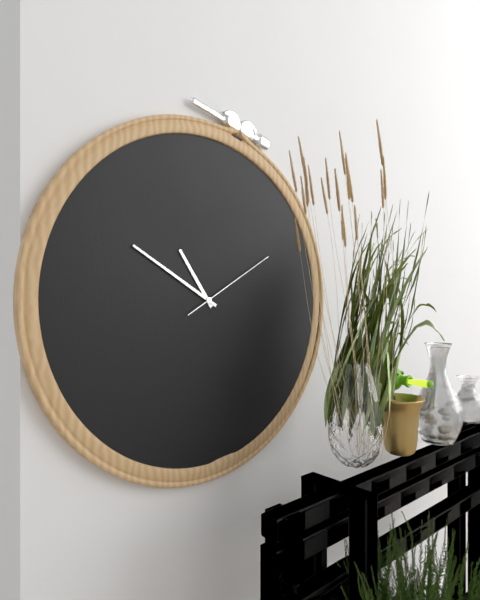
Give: 10:50:10
